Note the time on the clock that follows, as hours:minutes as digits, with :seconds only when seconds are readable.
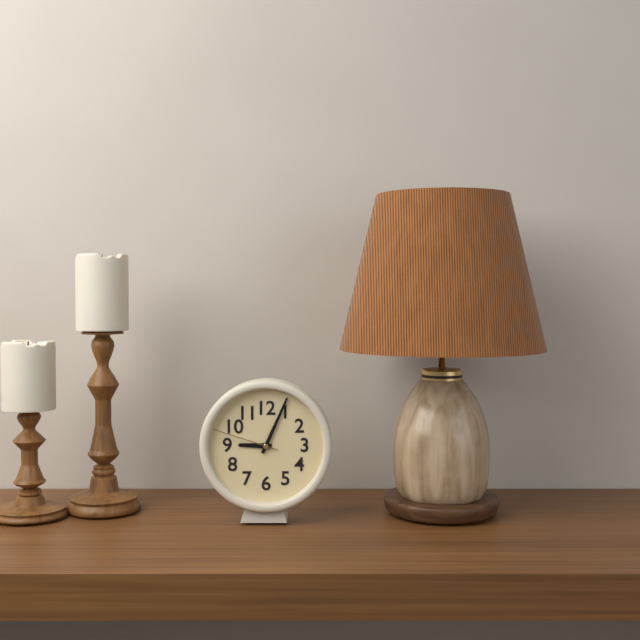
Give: 9:04:48
